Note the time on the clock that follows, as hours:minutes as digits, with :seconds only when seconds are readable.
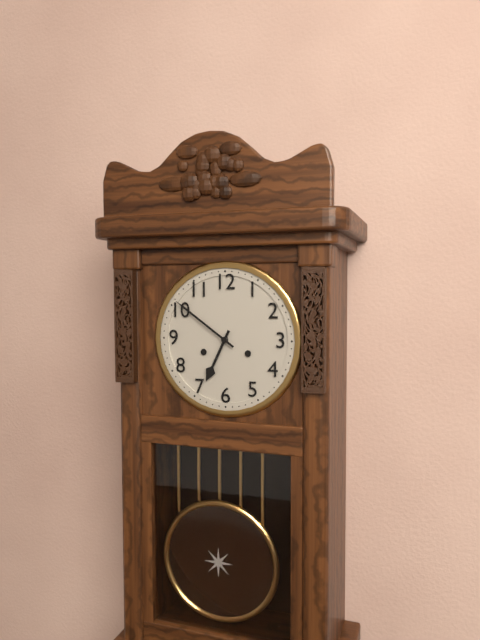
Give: 6:51
